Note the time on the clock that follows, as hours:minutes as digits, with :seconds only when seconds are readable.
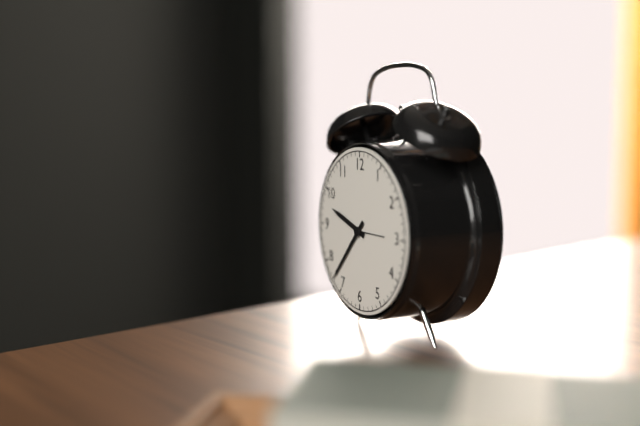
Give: 9:37
